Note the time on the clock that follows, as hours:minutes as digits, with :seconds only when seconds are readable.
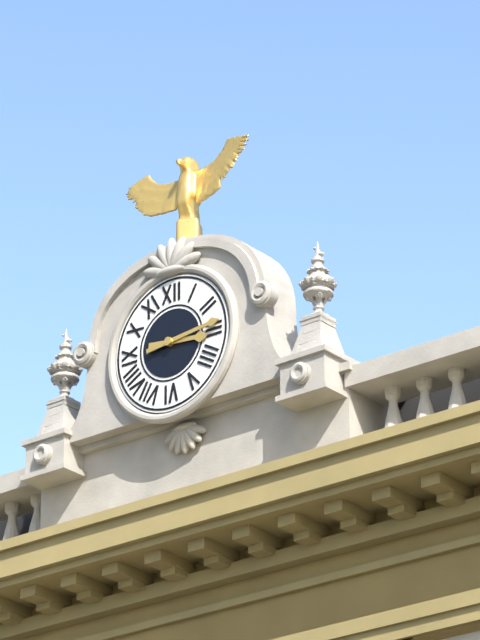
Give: 3:14
